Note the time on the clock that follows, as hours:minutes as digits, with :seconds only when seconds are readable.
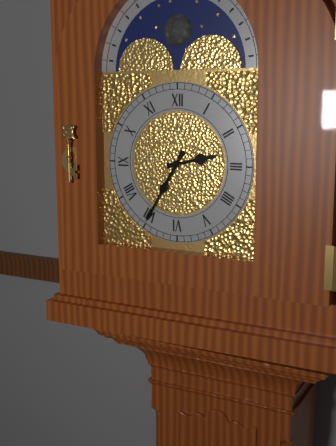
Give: 2:35
